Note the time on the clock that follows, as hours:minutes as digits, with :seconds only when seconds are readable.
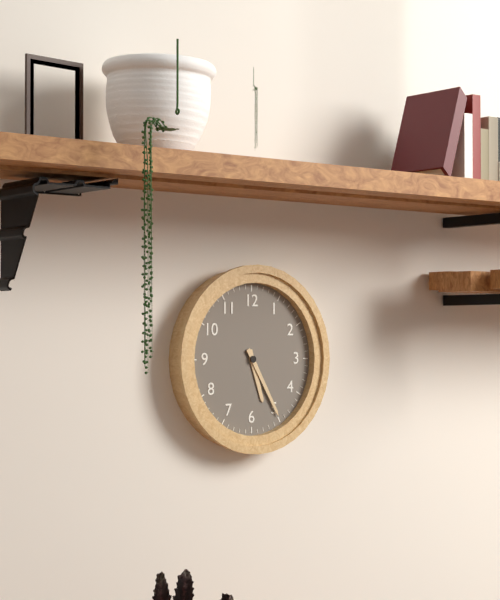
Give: 5:25
